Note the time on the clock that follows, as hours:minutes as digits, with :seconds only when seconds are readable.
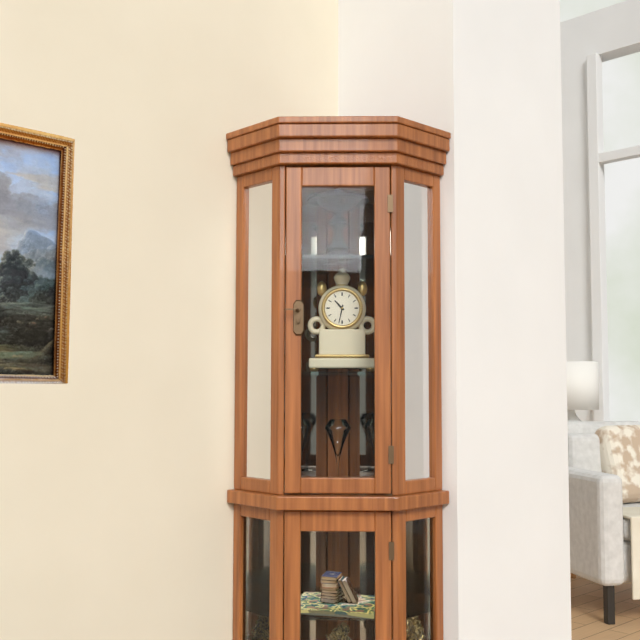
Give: 10:32
